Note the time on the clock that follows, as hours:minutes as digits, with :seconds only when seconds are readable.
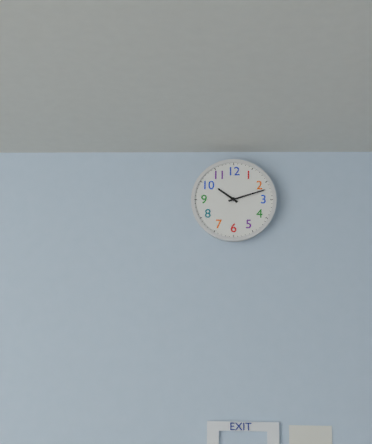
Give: 10:12
